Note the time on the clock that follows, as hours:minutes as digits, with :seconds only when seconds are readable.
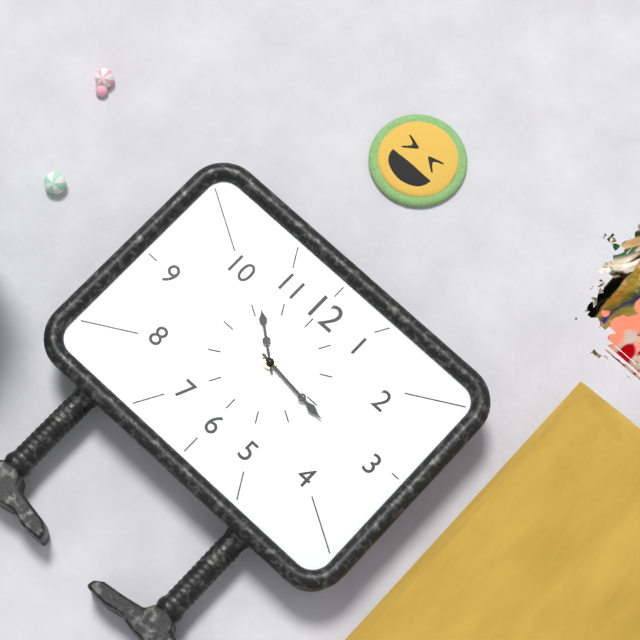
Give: 10:16
